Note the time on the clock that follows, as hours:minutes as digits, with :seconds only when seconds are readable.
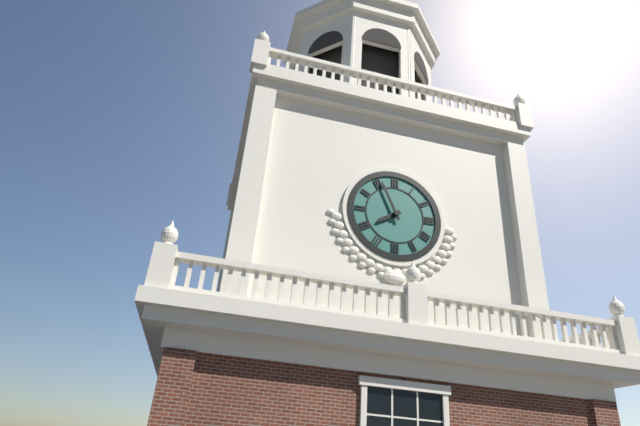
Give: 7:56
